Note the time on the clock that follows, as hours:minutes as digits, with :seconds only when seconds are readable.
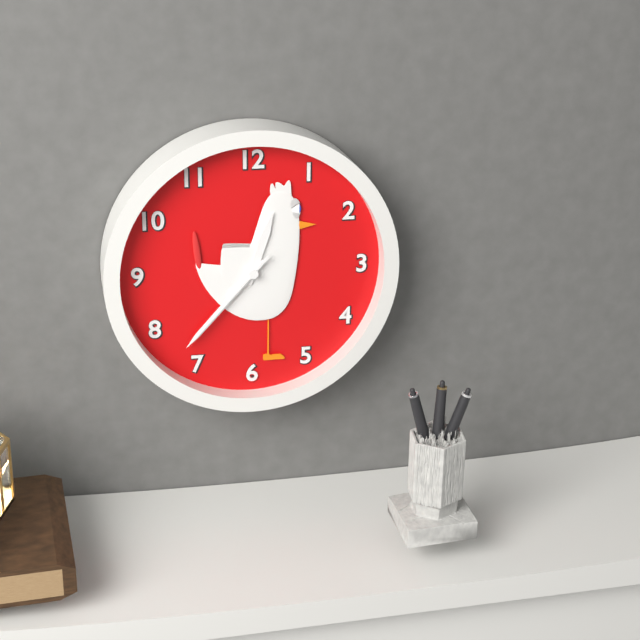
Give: 12:37:37
